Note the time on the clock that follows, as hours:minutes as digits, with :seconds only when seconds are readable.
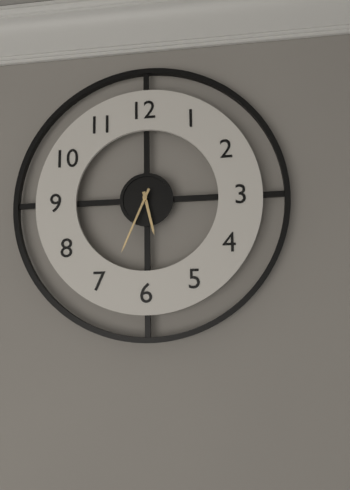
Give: 5:34
